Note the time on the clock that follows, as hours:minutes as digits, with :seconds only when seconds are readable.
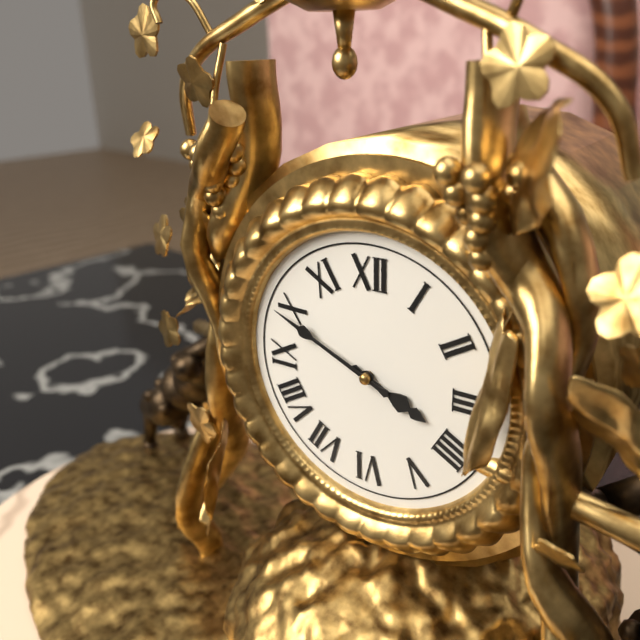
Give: 3:49
